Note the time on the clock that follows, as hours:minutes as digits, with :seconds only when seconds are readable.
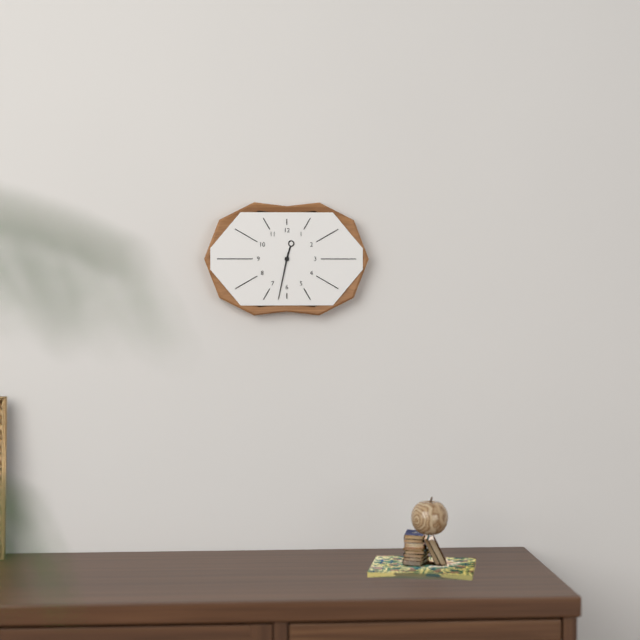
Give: 12:32
